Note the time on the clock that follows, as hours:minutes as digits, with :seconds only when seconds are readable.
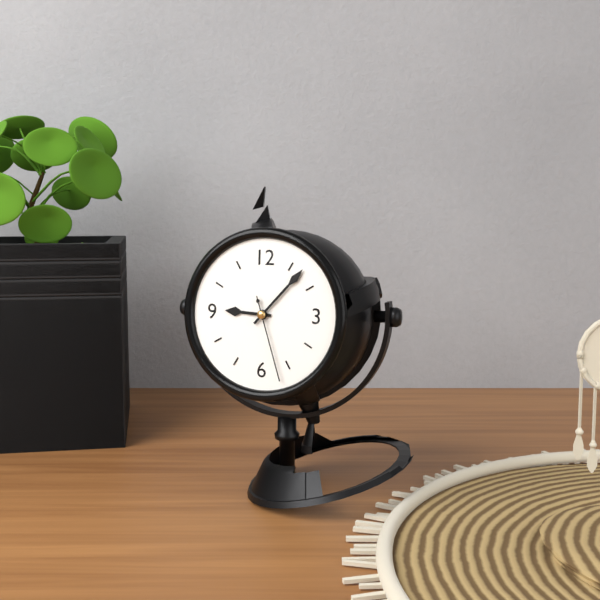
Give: 9:07:27
